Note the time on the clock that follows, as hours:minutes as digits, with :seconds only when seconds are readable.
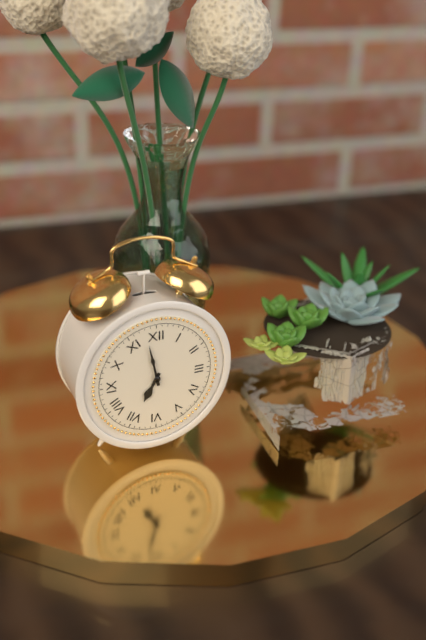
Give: 6:58
